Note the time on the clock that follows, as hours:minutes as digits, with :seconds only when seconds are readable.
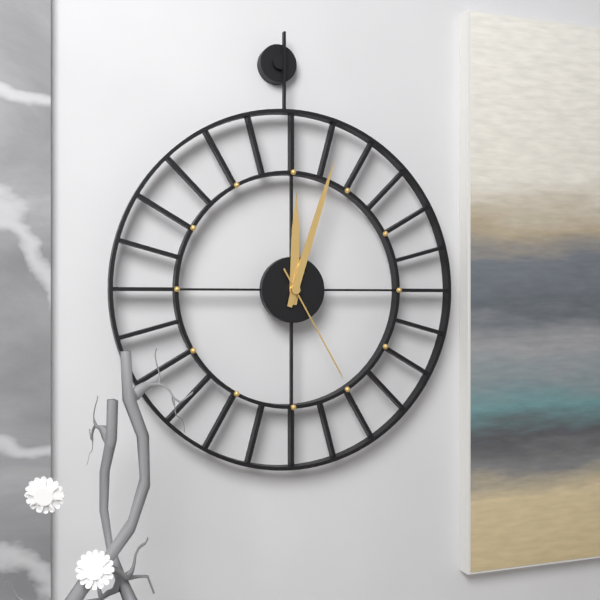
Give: 12:03:25
